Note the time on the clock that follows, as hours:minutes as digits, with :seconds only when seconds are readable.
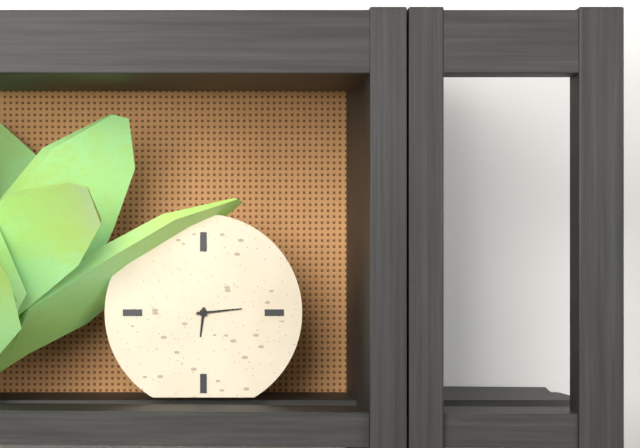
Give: 6:14
